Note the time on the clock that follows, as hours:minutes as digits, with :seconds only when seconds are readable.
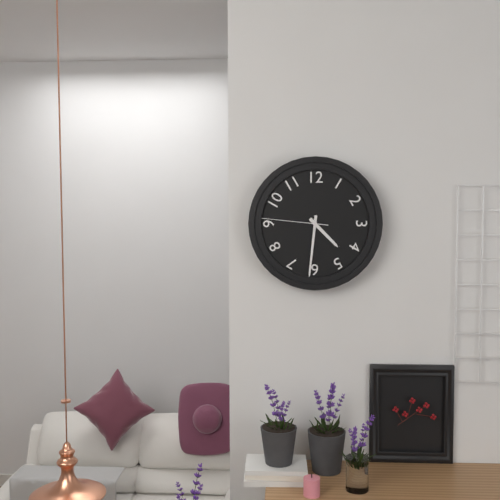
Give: 4:31:46
